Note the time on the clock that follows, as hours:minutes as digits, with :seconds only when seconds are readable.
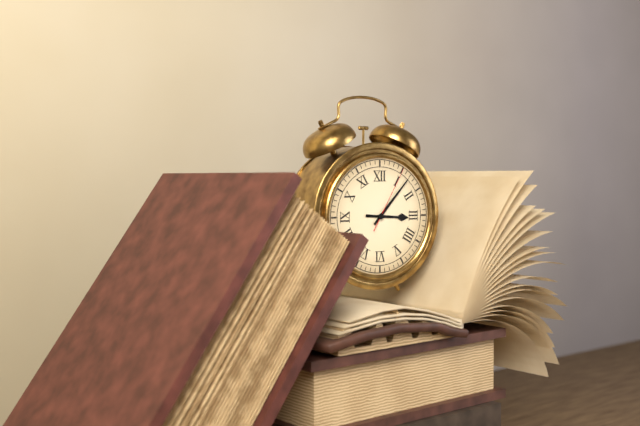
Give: 3:07:05
